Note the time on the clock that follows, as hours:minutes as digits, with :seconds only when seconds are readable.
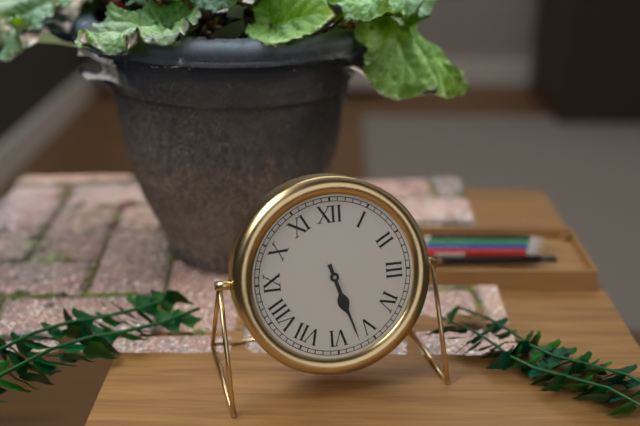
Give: 5:27
